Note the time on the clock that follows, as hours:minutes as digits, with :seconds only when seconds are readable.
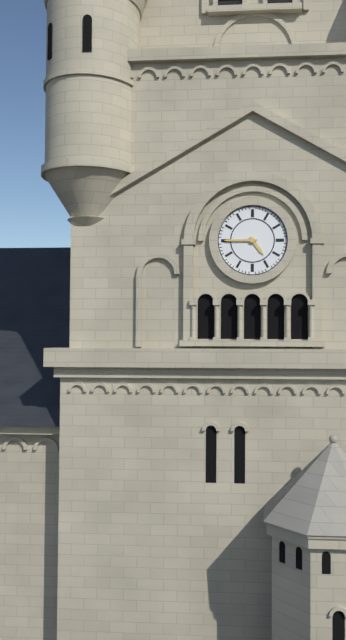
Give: 4:45
